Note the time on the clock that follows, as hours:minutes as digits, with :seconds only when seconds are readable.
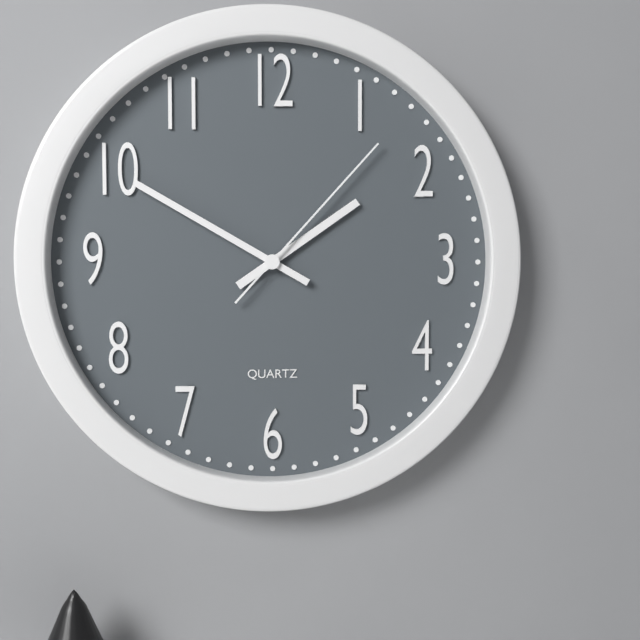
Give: 1:50:07
